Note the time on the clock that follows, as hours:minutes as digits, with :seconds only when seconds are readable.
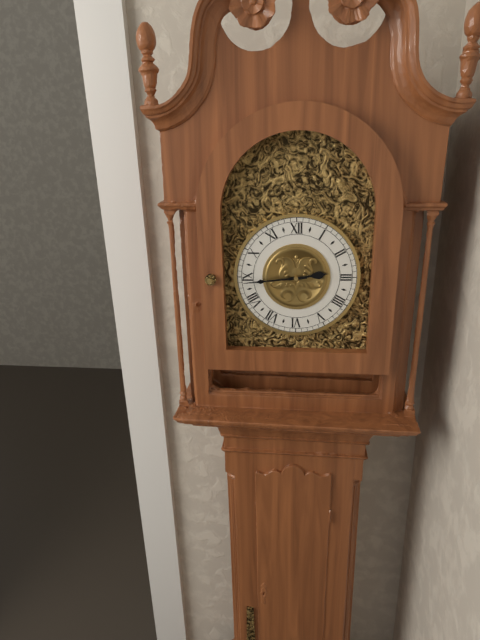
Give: 2:44
